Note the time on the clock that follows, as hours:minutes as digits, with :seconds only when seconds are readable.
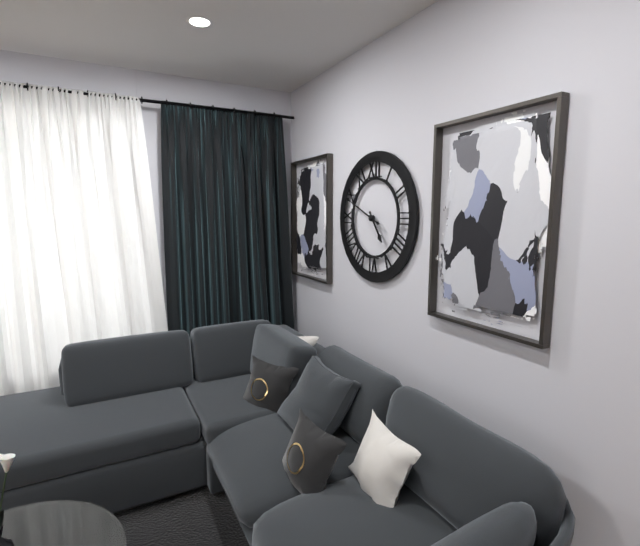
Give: 4:49
